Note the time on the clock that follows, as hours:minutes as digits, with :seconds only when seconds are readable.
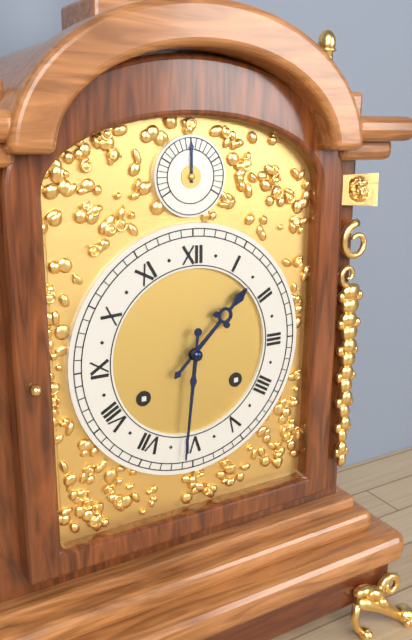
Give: 1:31
